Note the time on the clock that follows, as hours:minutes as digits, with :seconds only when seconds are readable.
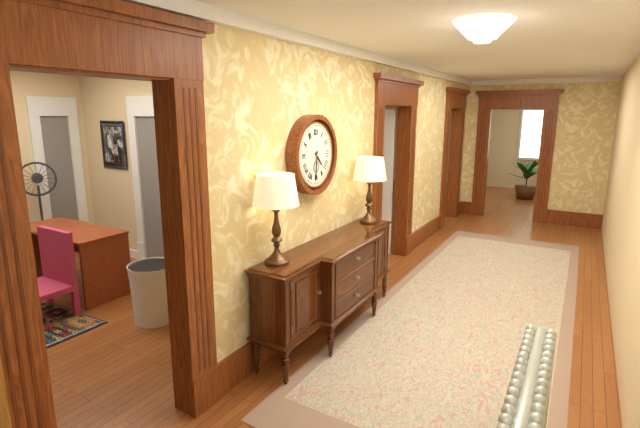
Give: 4:31
